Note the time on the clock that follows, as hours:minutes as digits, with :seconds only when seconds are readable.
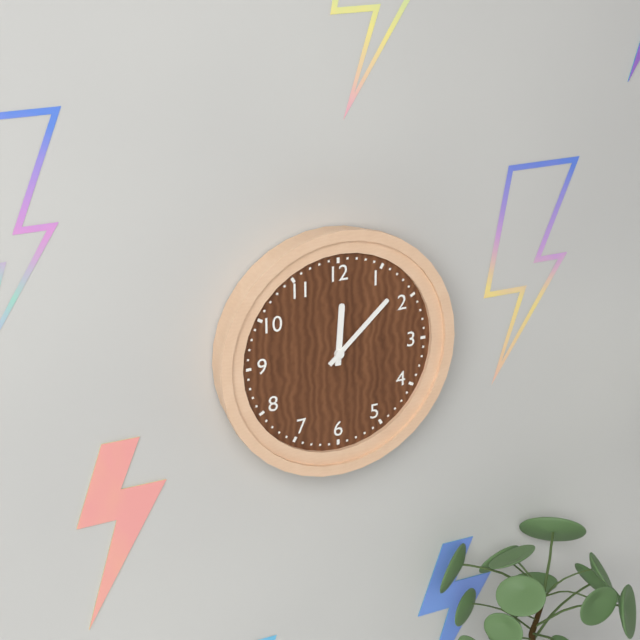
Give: 12:08
